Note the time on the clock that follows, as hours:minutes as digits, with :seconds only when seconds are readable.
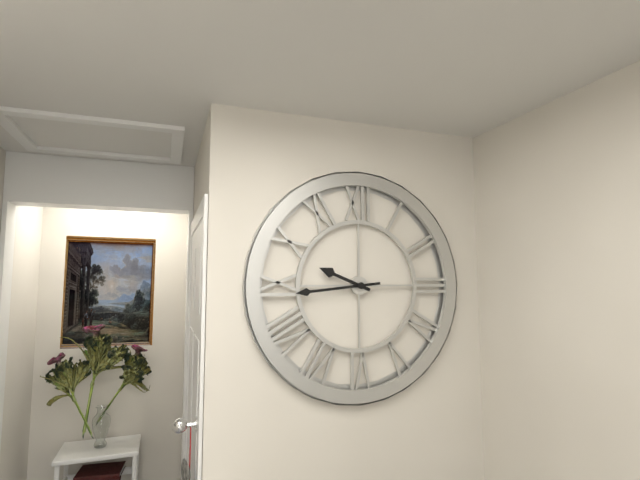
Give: 9:44
